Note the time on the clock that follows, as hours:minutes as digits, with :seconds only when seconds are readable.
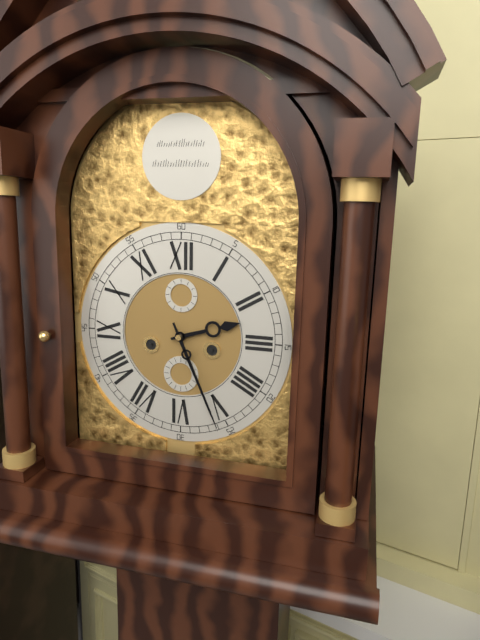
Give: 2:26
